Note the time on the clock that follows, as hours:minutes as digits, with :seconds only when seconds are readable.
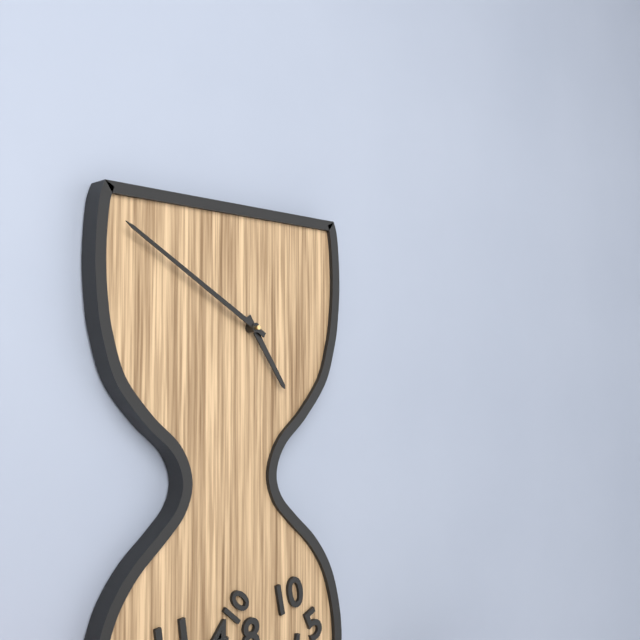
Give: 4:50
